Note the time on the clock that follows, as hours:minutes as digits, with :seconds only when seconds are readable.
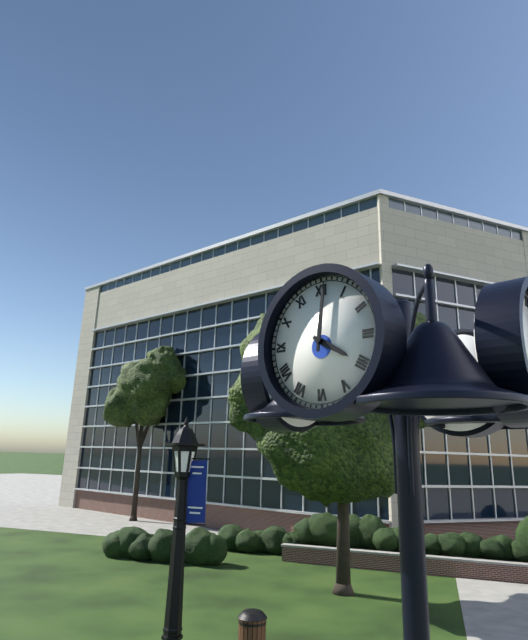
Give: 4:01
